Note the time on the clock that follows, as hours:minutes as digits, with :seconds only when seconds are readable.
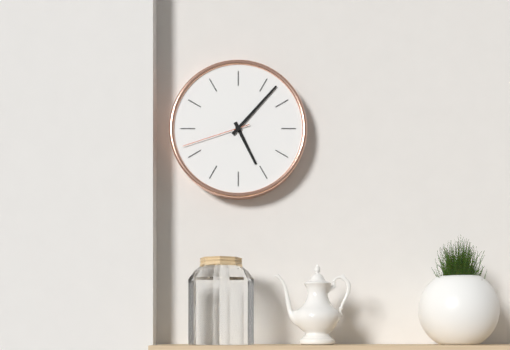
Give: 5:07:42
